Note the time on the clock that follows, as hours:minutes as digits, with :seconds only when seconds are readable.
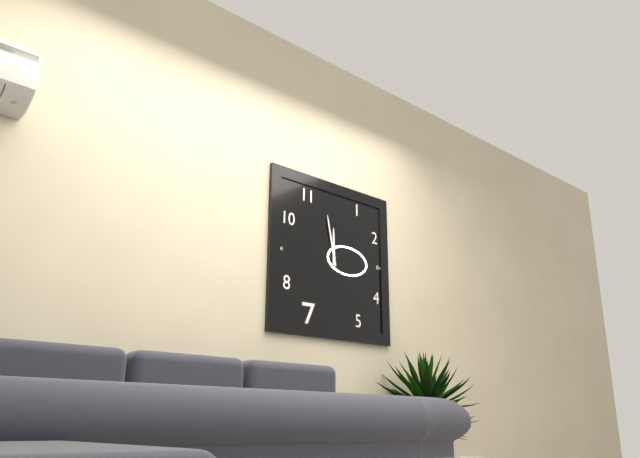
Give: 11:58
